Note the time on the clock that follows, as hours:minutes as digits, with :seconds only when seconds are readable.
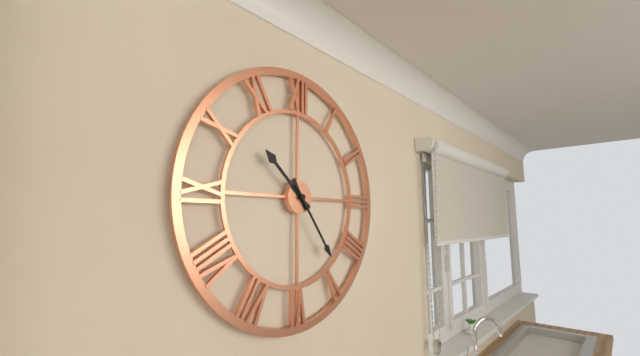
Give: 10:24
